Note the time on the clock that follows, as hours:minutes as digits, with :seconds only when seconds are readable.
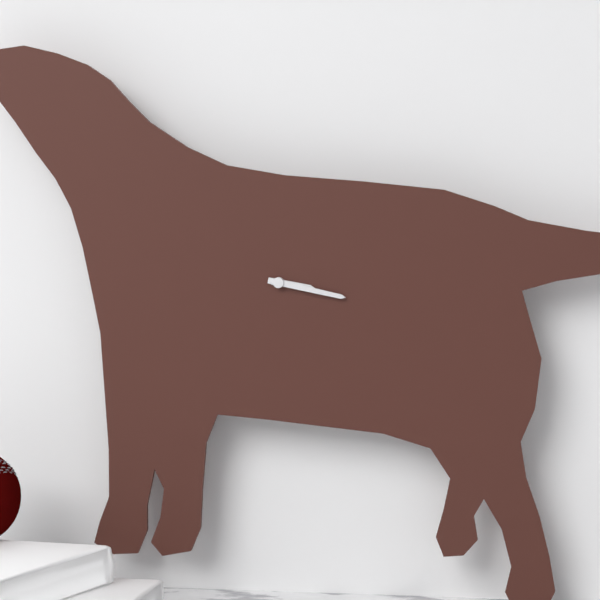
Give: 3:17
